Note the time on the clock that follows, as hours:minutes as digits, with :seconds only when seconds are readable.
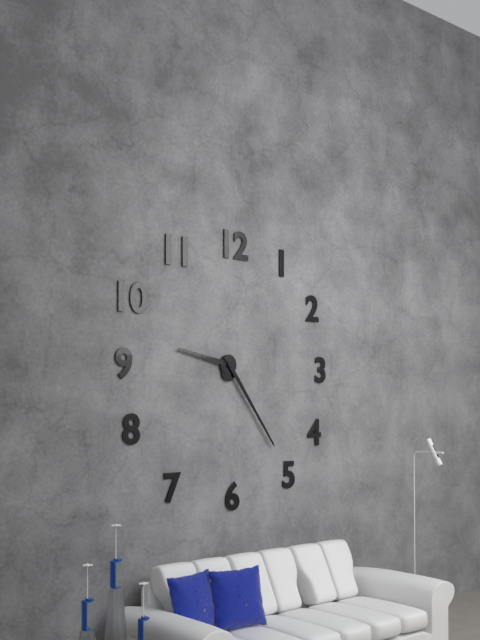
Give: 9:24
